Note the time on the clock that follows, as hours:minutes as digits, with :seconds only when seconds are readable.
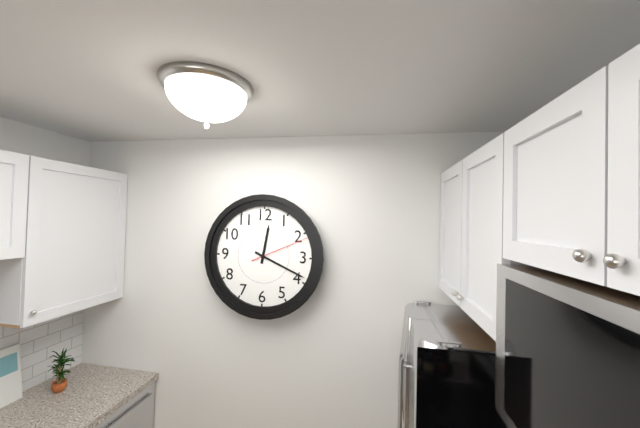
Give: 12:19:11
